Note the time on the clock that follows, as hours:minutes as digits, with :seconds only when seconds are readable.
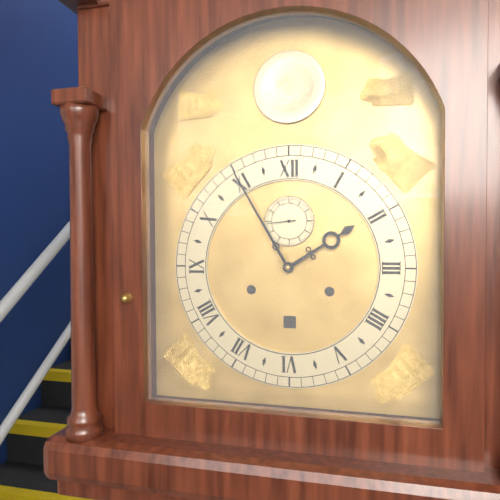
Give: 1:55
